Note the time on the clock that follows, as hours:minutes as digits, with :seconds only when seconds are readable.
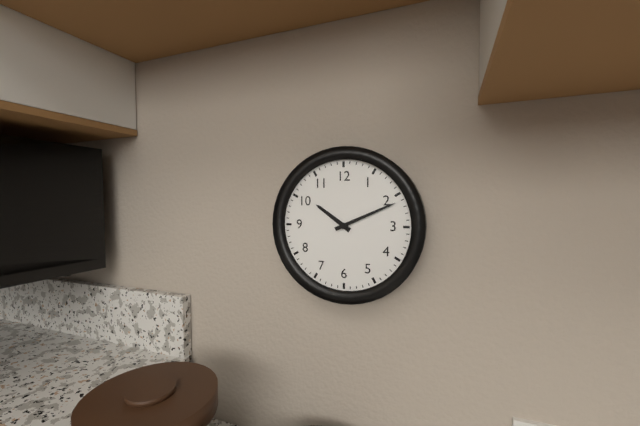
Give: 10:11
